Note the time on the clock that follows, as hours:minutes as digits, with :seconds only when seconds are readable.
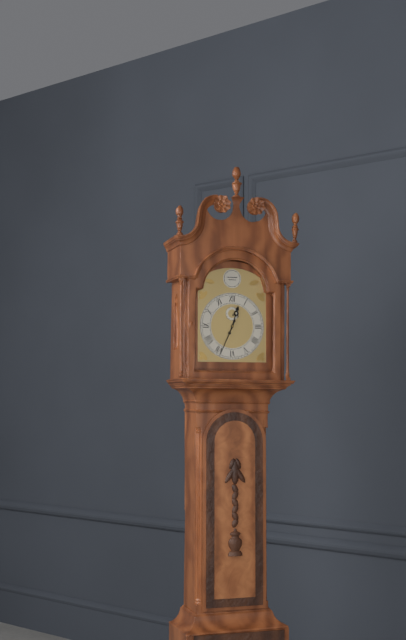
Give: 12:34
